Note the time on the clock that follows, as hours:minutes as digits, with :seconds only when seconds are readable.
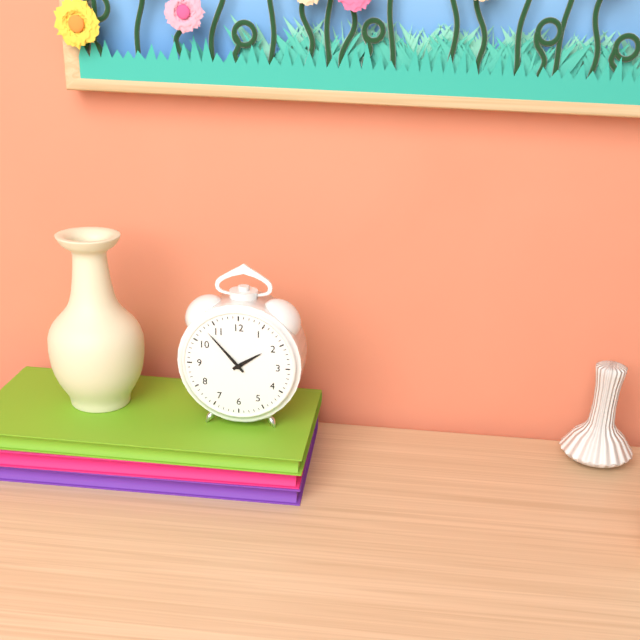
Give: 1:53
